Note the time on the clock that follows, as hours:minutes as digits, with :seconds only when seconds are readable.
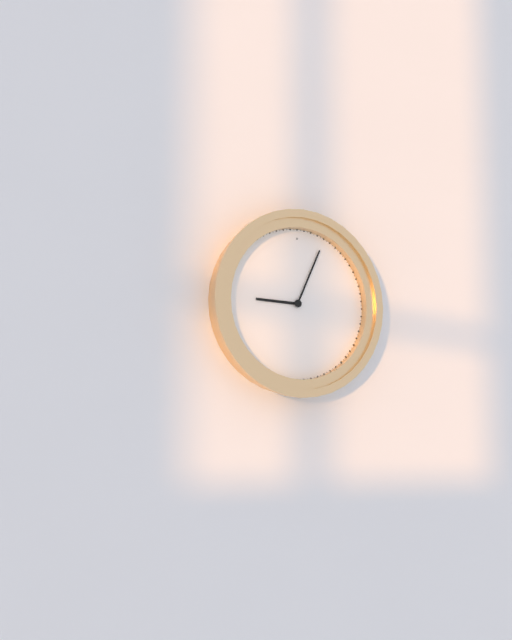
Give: 9:04
